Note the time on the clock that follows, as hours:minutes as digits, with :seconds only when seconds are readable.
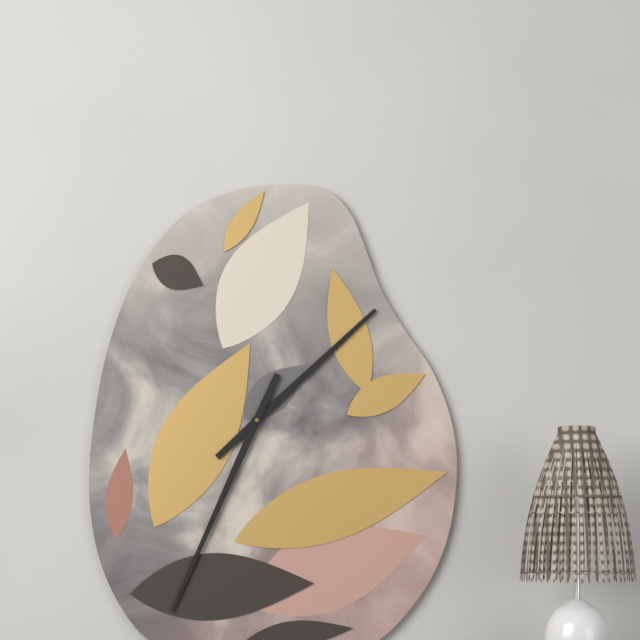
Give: 1:34
